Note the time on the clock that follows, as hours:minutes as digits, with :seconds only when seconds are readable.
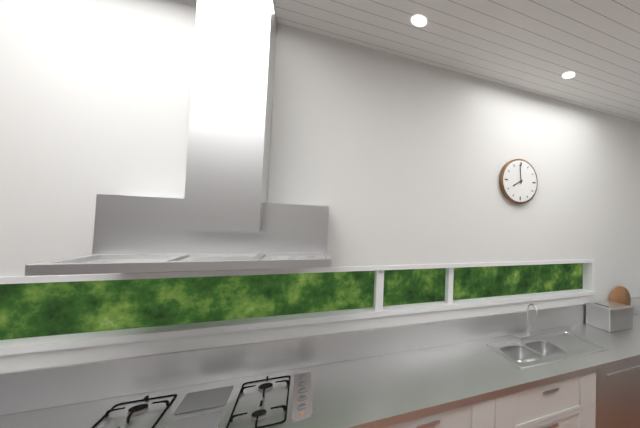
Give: 7:59
